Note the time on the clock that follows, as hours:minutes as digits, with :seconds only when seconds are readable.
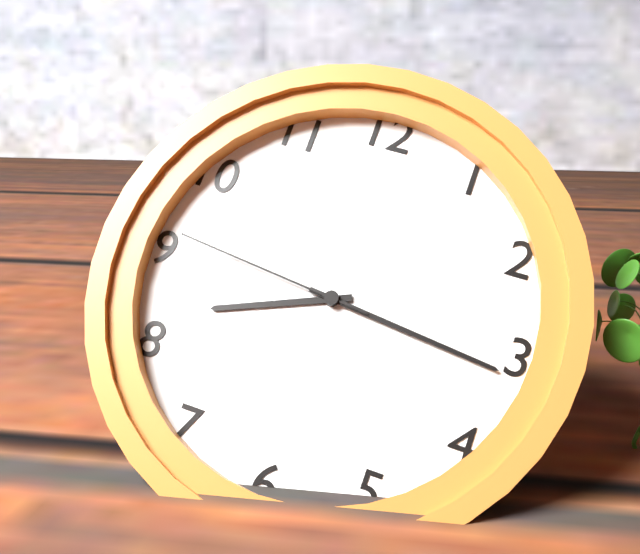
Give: 8:16:46
